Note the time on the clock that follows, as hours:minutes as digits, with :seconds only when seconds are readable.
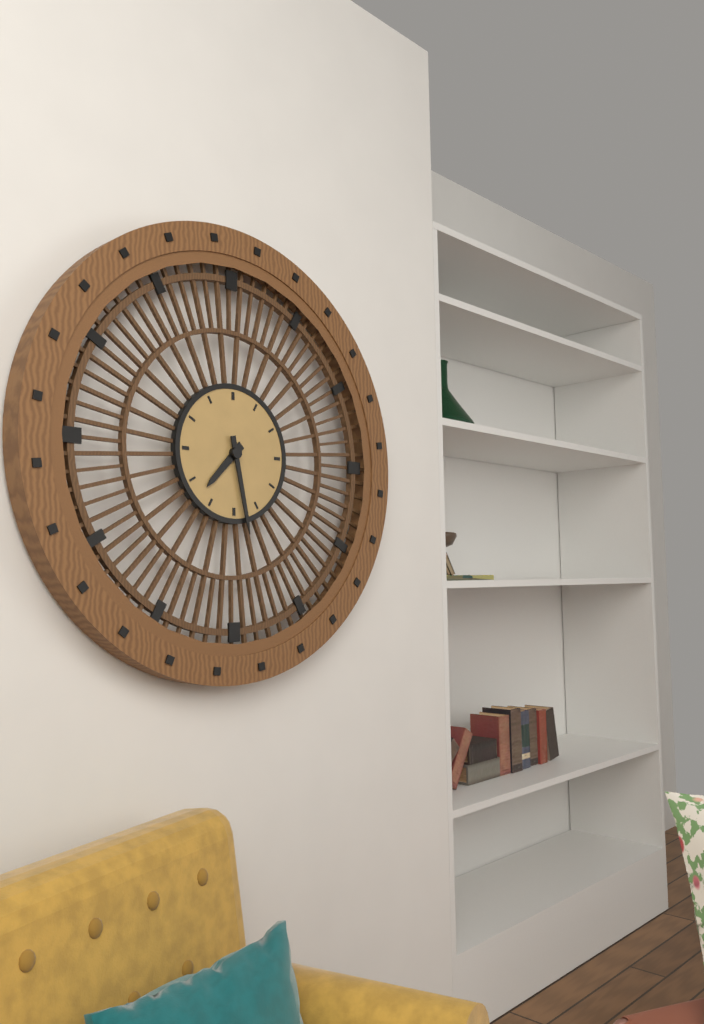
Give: 7:28
